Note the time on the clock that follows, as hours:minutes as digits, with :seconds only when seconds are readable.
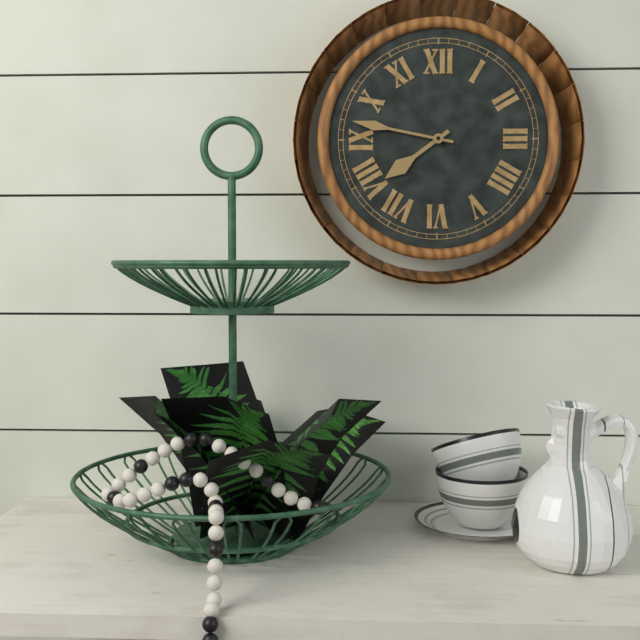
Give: 7:47
